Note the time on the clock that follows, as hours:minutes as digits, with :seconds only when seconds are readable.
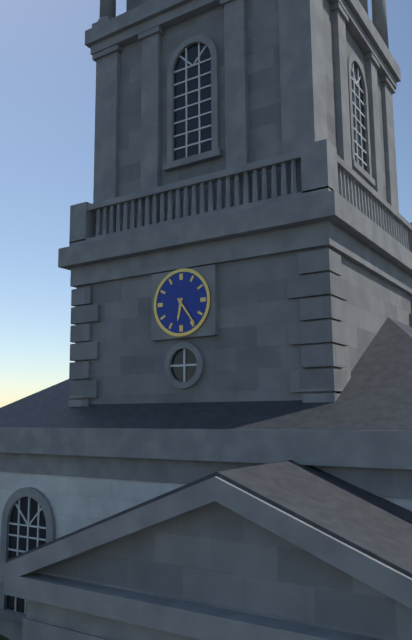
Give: 6:24
